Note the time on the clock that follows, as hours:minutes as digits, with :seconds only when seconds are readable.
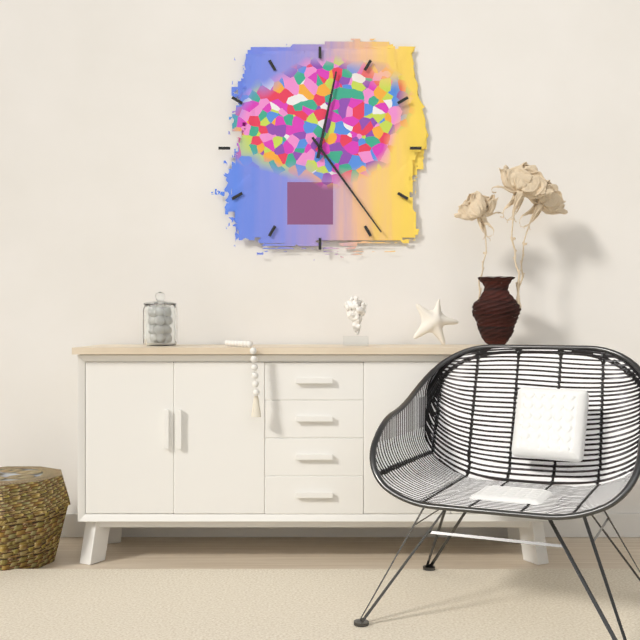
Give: 12:24
